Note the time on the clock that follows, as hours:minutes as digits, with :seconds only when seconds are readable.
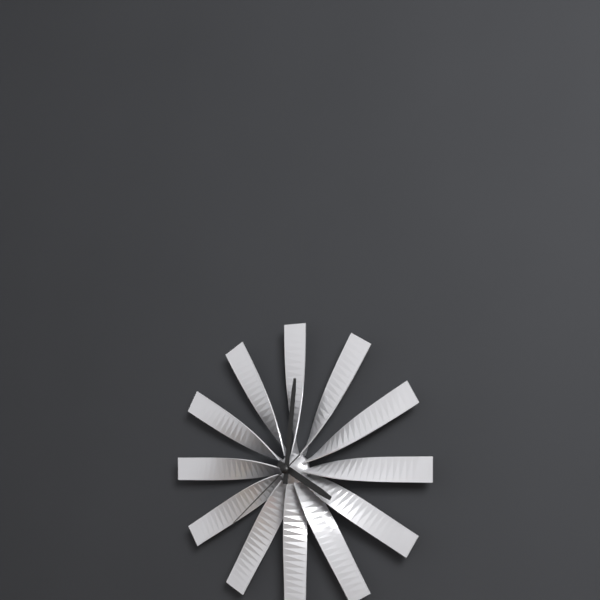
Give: 4:01:38
